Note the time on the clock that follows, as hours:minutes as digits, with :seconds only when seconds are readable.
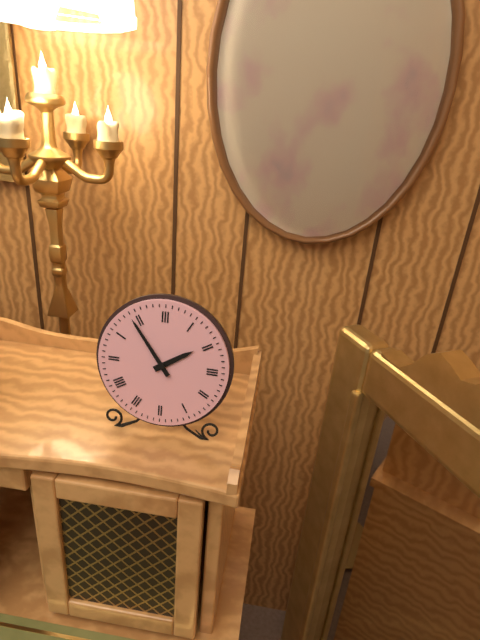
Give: 1:54
